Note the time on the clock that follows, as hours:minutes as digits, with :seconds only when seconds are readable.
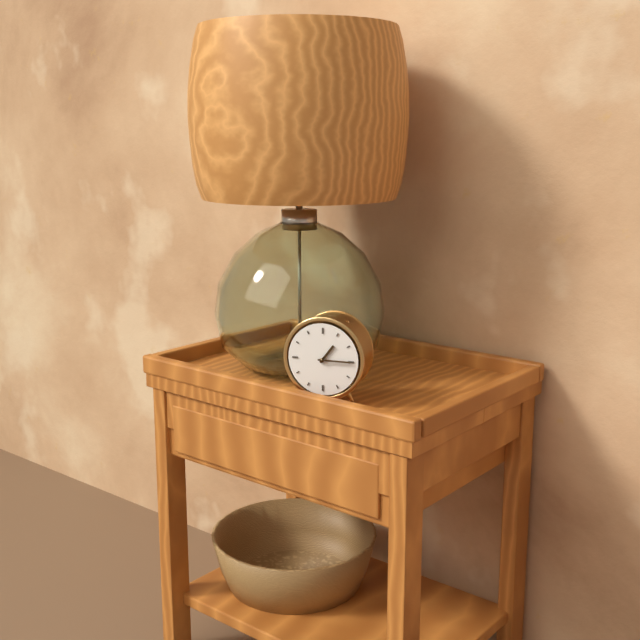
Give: 1:15
